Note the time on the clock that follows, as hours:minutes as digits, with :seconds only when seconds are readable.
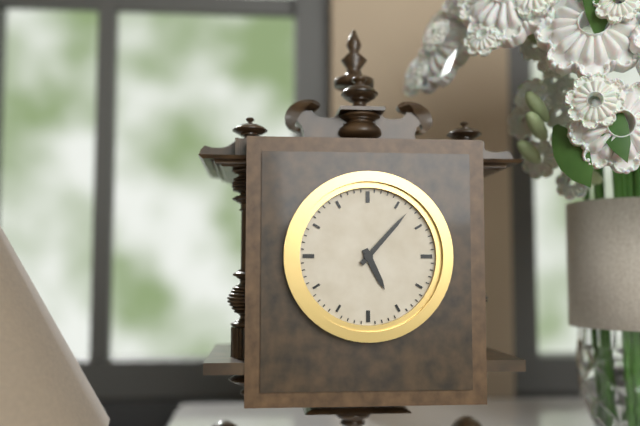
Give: 5:07
